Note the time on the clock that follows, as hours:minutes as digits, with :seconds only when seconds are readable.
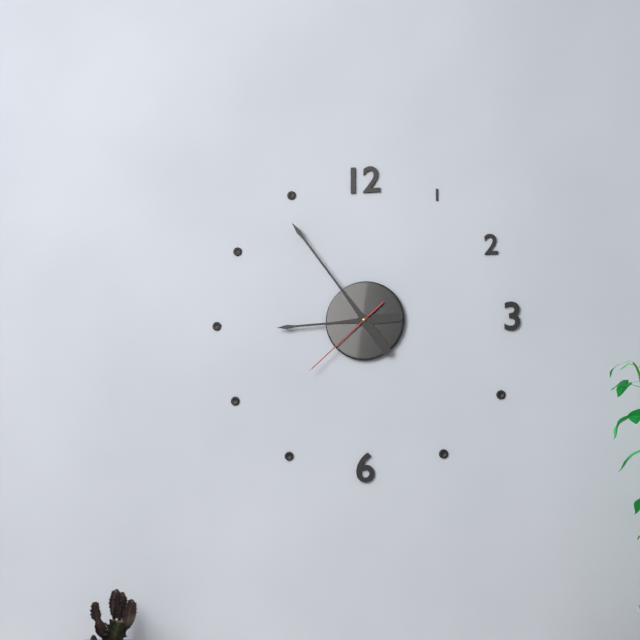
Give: 8:54:38
